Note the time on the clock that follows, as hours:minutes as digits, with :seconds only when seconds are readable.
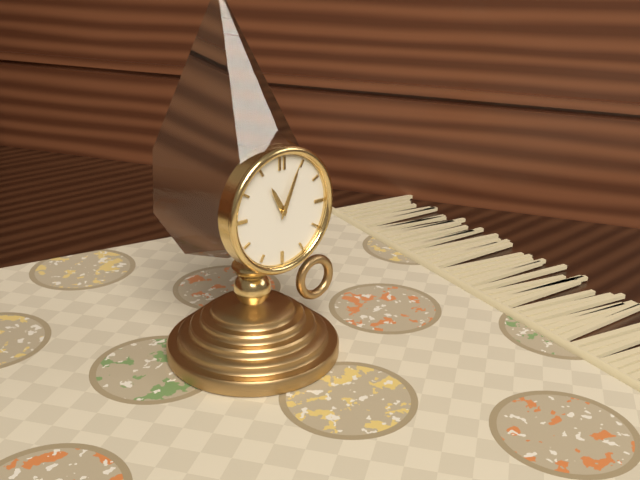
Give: 11:04
